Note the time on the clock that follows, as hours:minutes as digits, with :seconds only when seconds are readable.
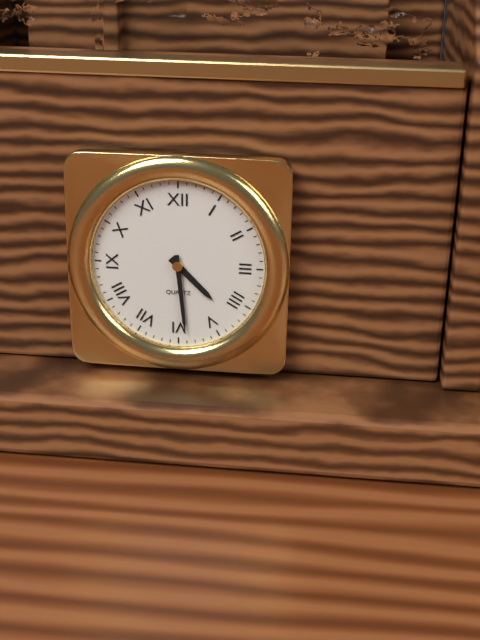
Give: 4:29
